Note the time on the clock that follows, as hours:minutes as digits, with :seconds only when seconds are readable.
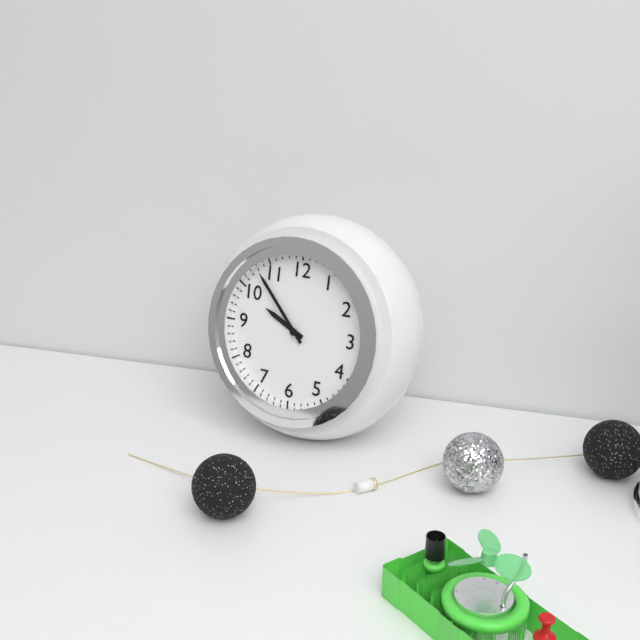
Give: 9:53
